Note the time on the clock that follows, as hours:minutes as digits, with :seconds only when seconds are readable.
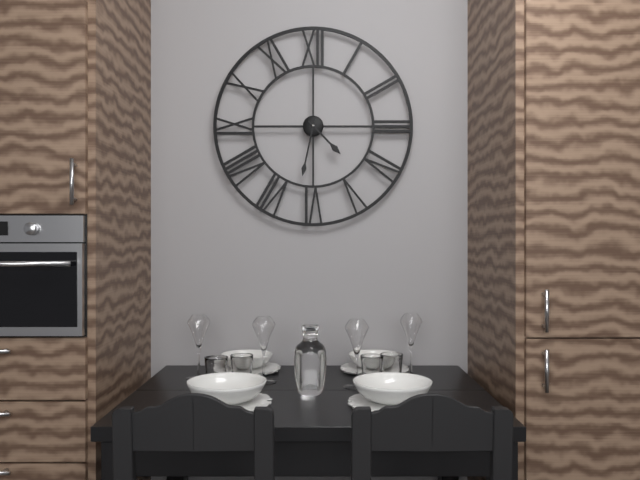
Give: 4:32
